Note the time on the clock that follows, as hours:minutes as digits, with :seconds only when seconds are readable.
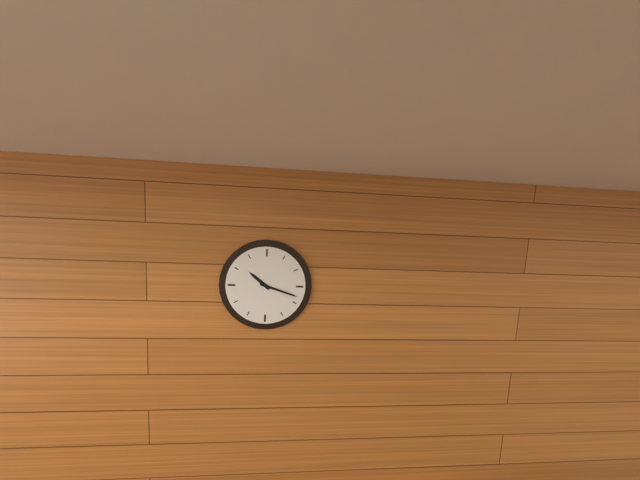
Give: 10:18
